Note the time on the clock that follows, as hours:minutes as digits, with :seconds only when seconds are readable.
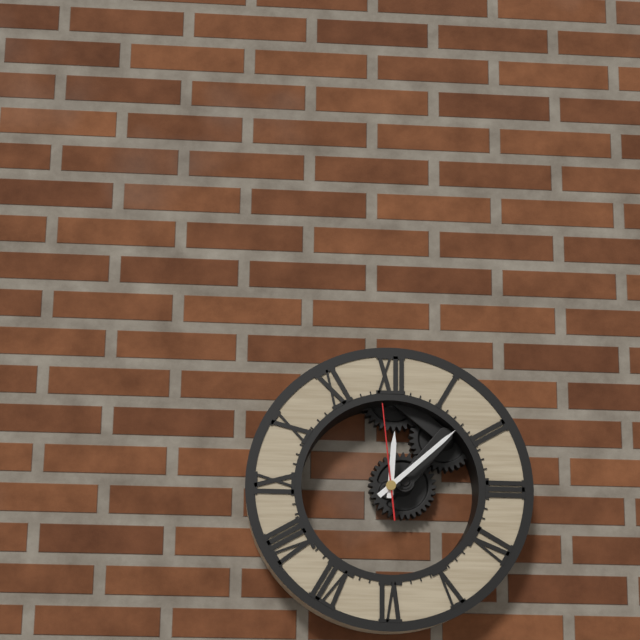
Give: 12:08:59
